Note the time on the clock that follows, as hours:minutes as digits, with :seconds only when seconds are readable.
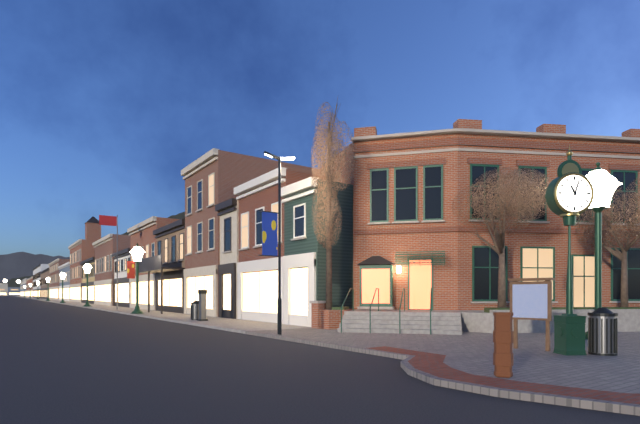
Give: 11:03
